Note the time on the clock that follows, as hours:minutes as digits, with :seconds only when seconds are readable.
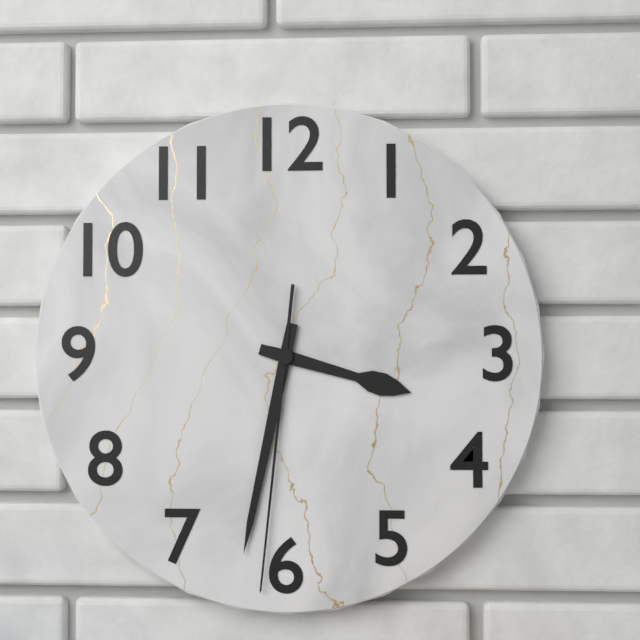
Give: 3:32:31
